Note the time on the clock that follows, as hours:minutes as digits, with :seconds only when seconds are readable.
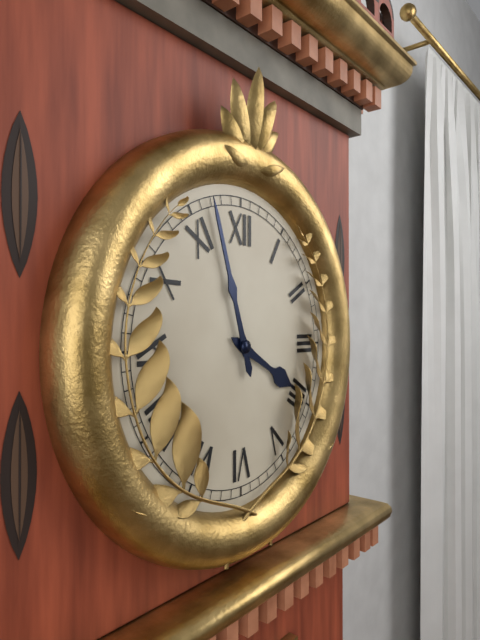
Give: 3:57
